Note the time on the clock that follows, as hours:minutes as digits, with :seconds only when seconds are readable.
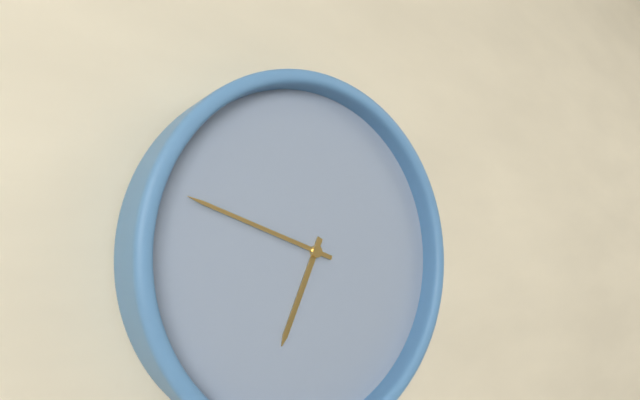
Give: 6:48
